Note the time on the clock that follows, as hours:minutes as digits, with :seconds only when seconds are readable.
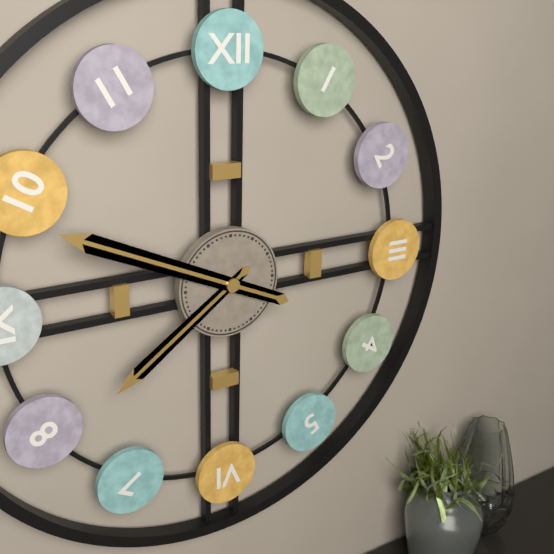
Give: 7:49
